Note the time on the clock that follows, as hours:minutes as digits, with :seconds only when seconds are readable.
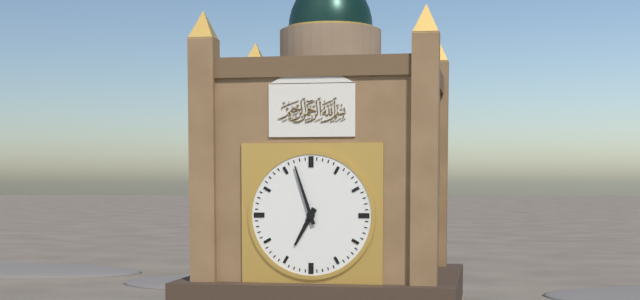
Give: 6:57
